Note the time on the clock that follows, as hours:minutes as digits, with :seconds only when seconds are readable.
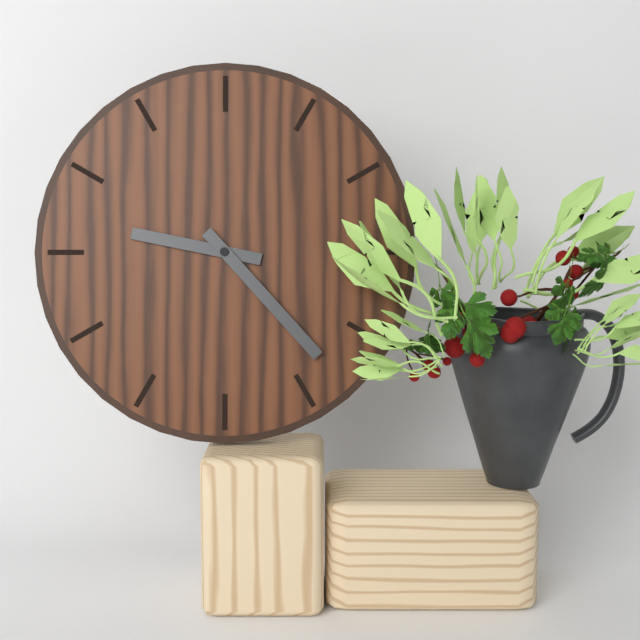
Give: 9:23
